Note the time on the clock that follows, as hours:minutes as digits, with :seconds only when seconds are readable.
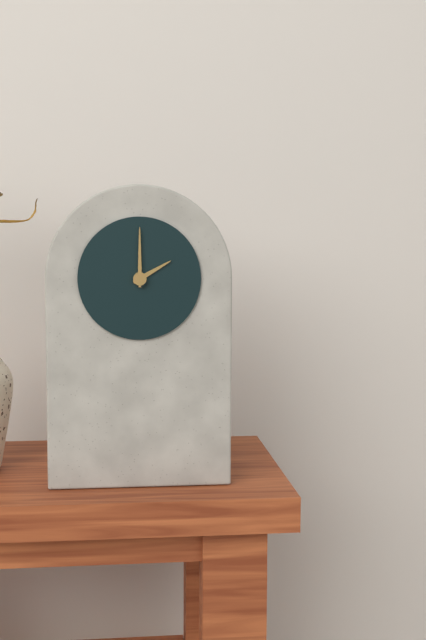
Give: 2:00
